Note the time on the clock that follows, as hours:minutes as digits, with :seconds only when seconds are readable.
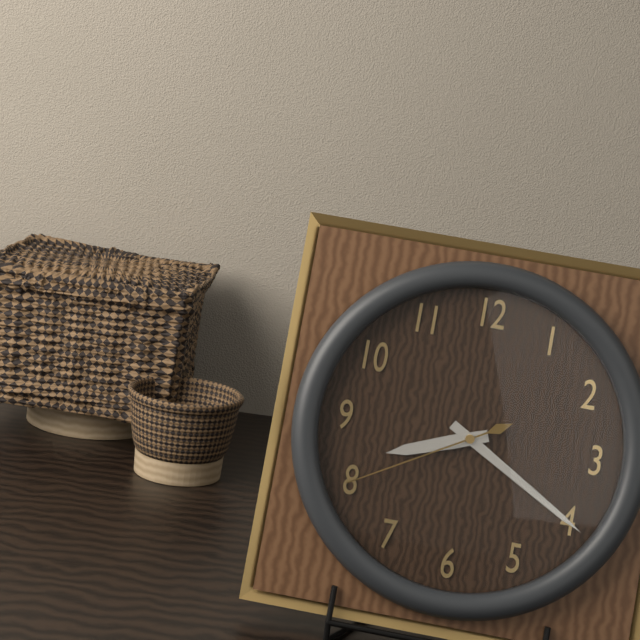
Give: 8:20:40
